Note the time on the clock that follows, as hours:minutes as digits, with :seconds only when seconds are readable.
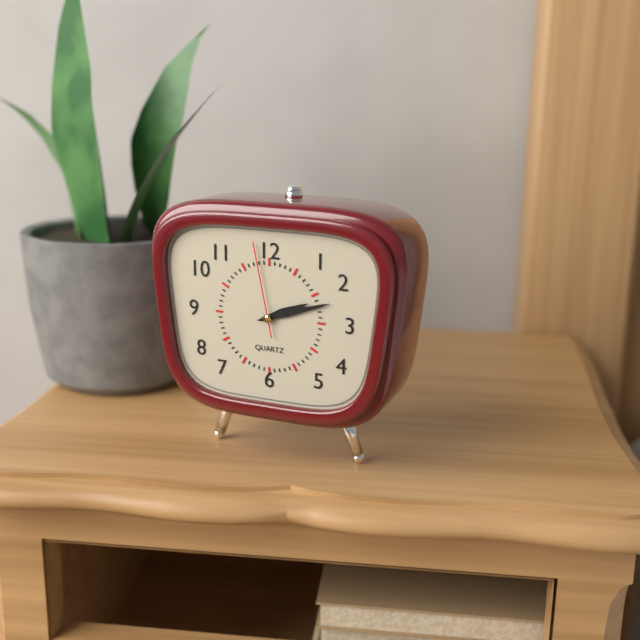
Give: 2:12:58
